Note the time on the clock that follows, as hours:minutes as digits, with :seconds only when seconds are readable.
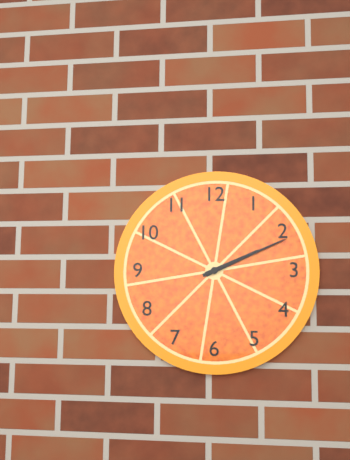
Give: 2:11
